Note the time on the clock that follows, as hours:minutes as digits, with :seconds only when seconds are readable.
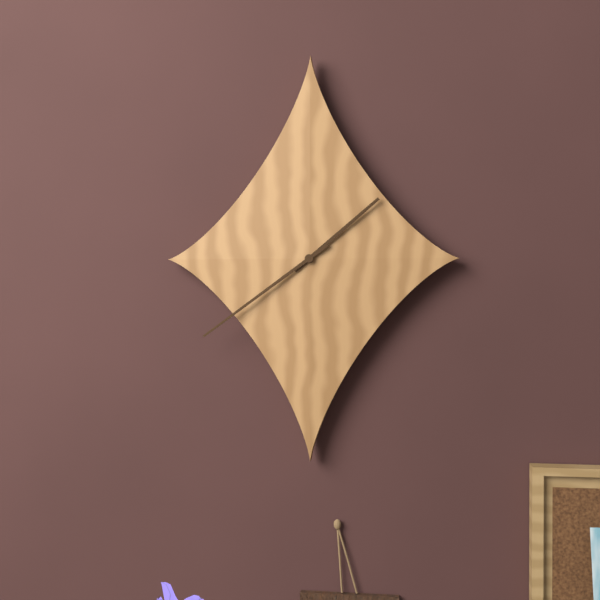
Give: 1:39
